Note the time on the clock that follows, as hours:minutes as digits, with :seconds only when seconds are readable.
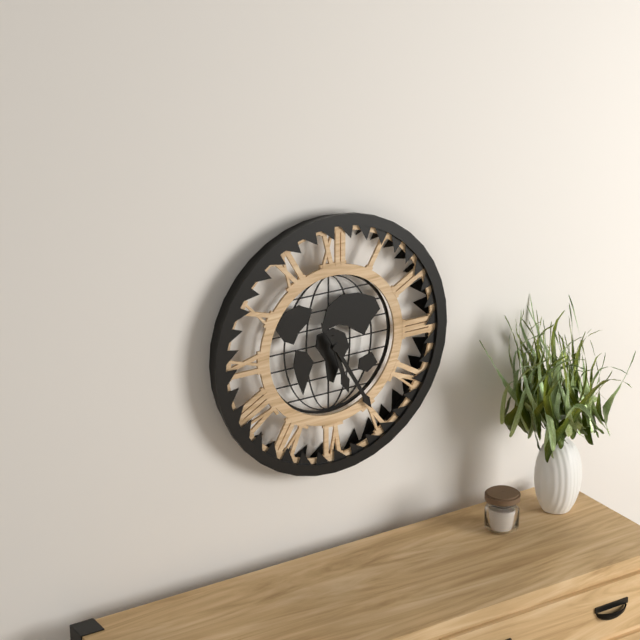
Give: 5:25
